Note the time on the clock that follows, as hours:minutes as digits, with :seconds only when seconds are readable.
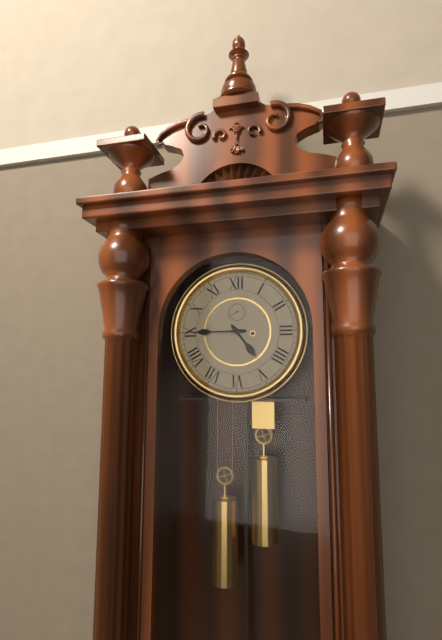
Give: 4:45
